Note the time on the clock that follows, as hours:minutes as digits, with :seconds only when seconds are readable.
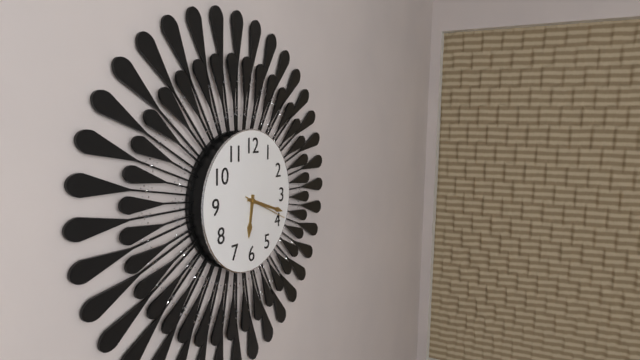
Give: 6:18
